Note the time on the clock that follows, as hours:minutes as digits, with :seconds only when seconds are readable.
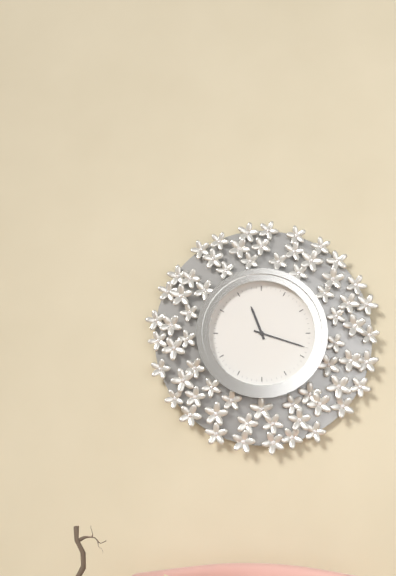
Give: 11:18
